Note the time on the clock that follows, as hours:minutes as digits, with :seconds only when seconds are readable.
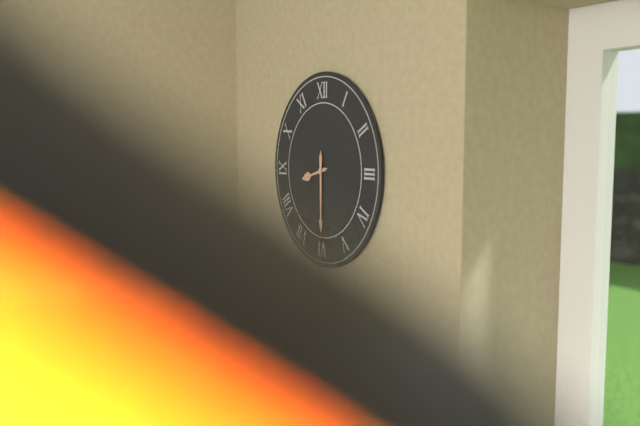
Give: 8:30
